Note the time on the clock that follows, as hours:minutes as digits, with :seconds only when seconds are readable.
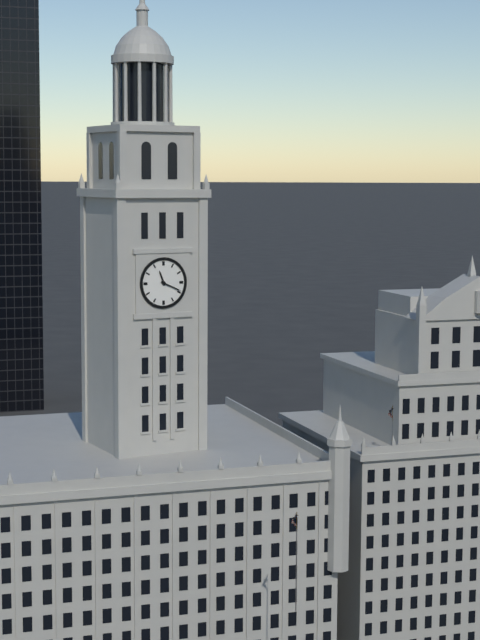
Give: 11:19
